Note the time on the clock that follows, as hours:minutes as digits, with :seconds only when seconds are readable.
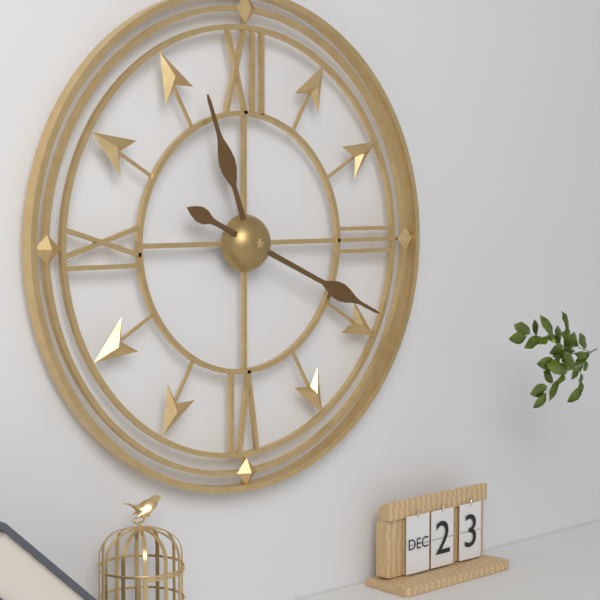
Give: 11:19
